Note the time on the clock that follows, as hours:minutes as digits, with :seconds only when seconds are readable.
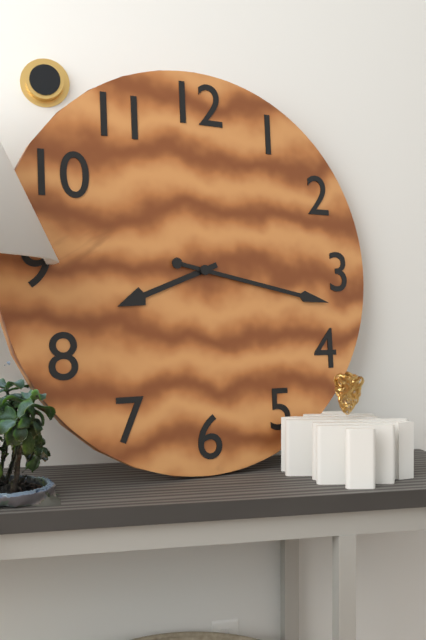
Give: 8:17
